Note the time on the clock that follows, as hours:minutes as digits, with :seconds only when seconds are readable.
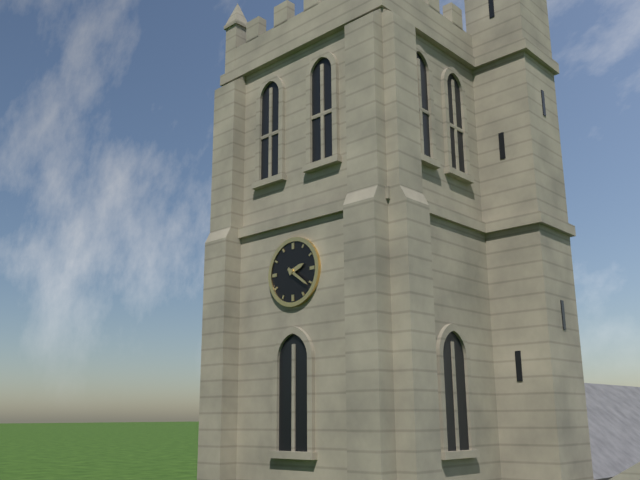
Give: 2:21
